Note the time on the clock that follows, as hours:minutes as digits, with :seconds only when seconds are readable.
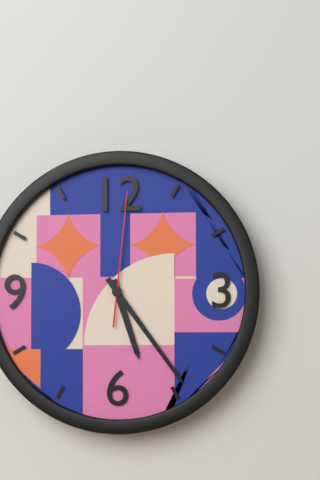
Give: 5:24:01
